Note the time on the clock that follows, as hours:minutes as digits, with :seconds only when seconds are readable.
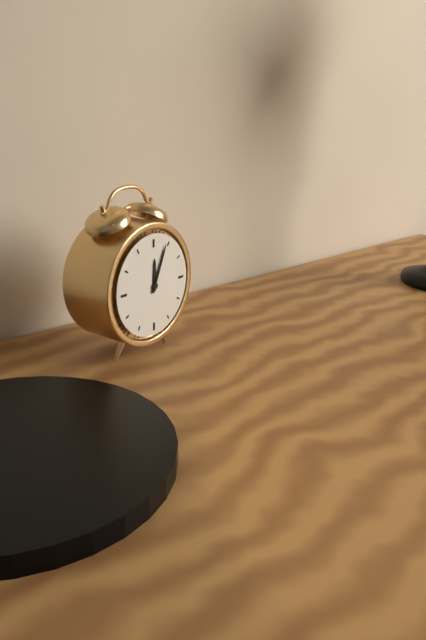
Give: 12:04
